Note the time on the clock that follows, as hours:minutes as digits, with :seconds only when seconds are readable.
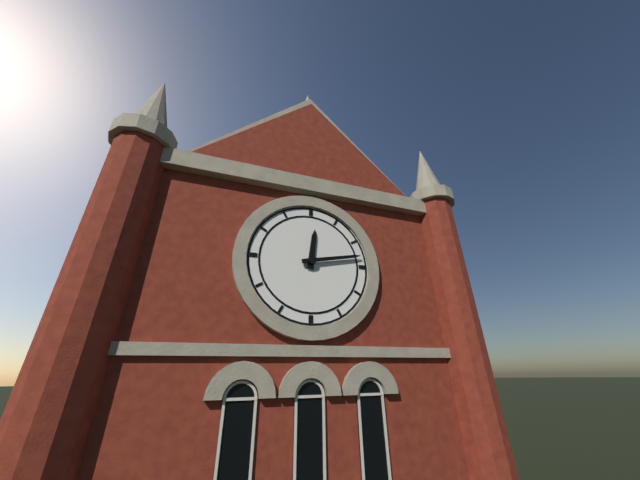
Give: 12:13
